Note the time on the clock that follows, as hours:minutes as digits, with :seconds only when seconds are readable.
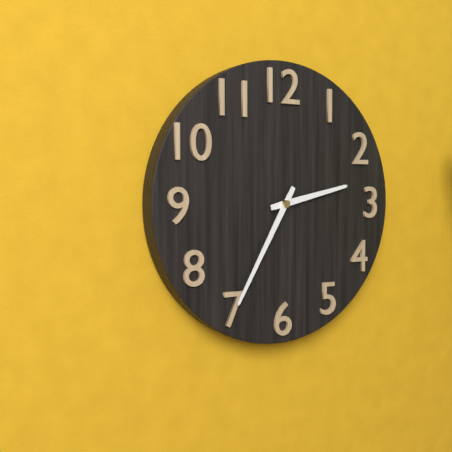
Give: 2:35
